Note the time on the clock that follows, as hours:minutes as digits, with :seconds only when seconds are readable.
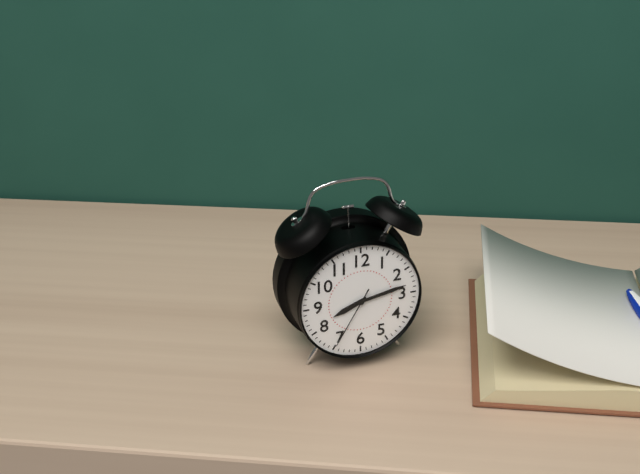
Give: 8:13:35
